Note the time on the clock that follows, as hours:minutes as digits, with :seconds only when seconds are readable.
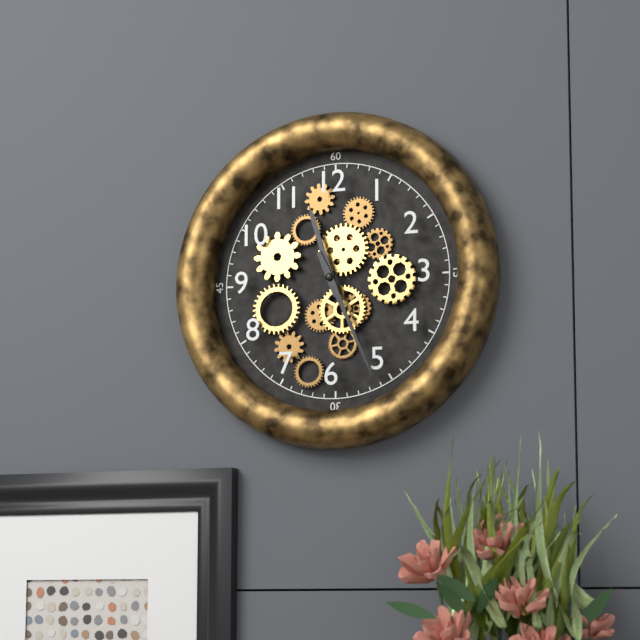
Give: 11:26
